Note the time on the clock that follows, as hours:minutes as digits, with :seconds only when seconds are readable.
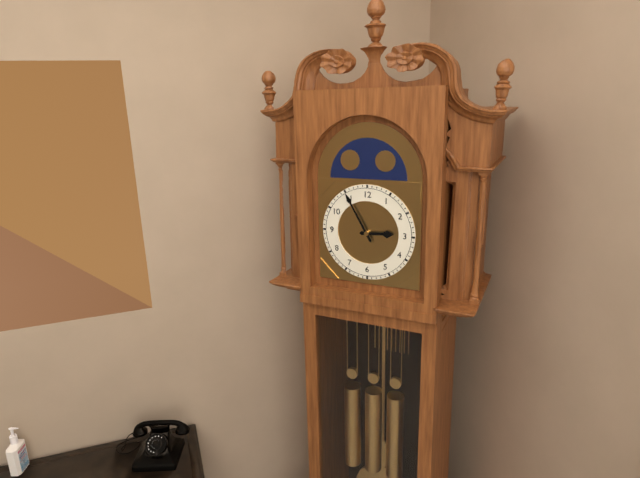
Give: 2:55
